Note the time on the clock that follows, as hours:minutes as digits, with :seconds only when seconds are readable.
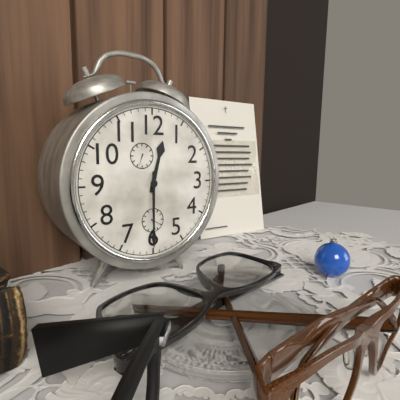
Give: 12:30
